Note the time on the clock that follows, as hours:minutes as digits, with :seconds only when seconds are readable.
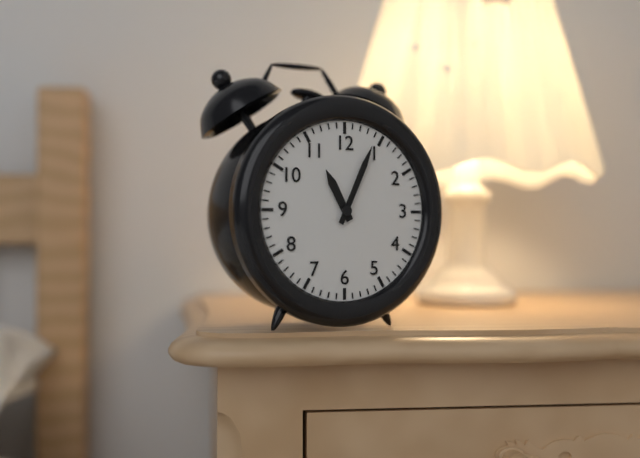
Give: 11:04
